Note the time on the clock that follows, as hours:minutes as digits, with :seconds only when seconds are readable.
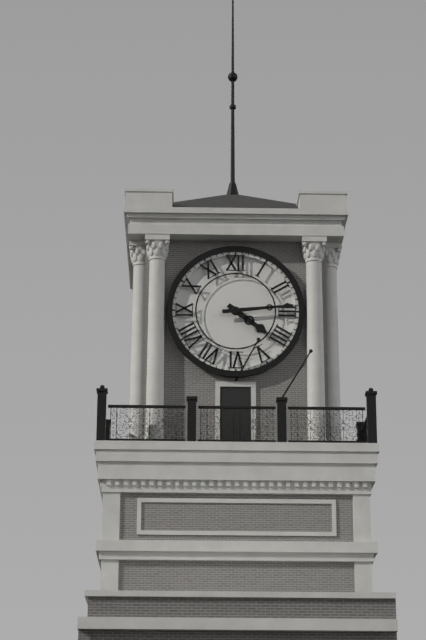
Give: 4:14
